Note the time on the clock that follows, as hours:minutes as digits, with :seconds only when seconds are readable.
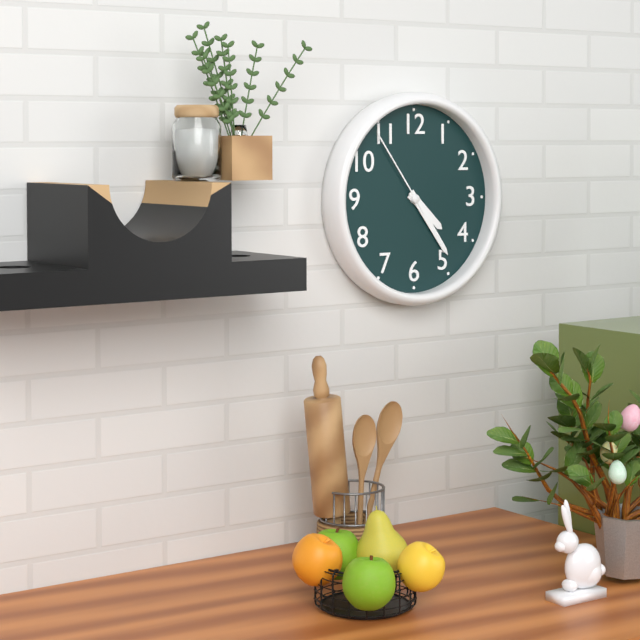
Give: 4:24:54
